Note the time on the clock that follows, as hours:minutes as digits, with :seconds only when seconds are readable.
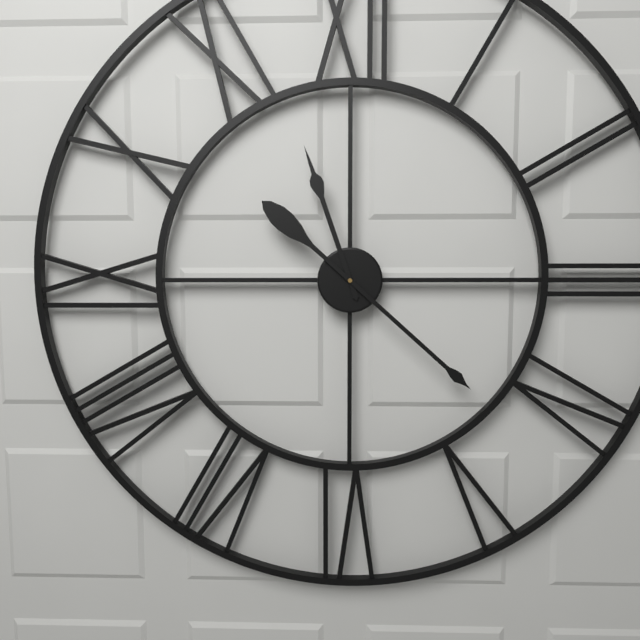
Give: 11:22
